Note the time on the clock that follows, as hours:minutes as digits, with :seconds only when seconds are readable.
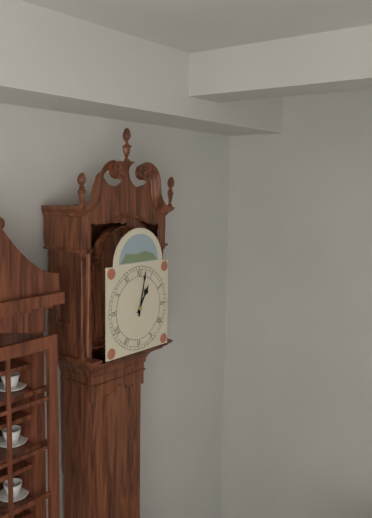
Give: 1:02
